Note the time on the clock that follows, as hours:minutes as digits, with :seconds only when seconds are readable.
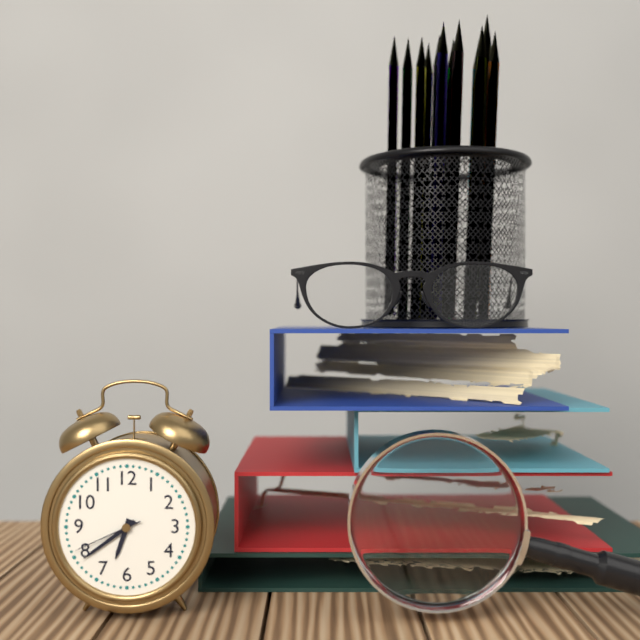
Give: 6:39:41
